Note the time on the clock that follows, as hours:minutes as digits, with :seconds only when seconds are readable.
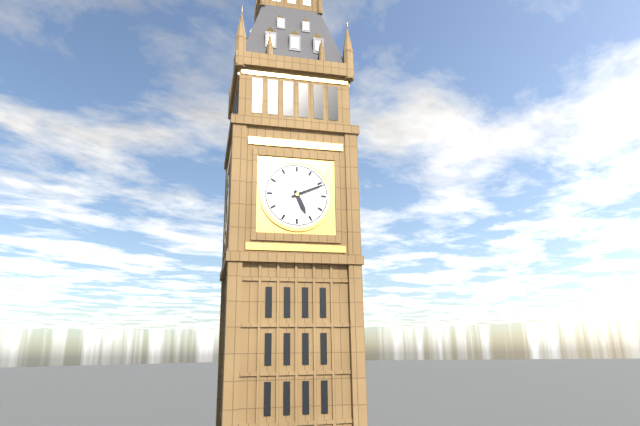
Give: 5:11
